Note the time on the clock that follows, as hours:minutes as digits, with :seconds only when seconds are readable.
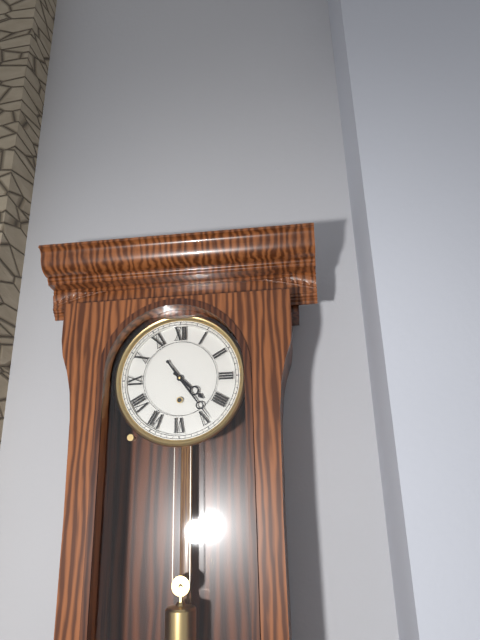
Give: 4:24
